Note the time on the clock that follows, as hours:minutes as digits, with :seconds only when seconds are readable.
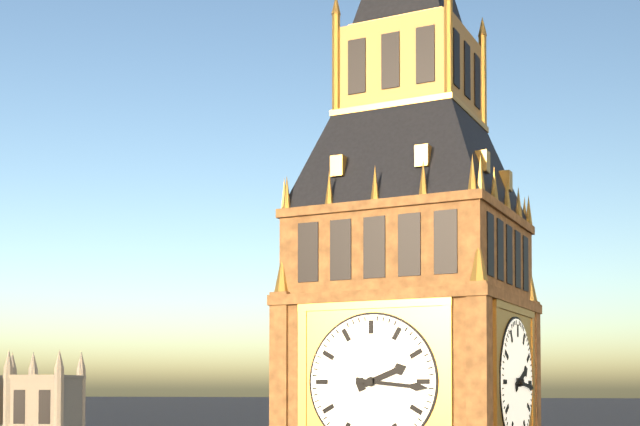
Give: 2:16
